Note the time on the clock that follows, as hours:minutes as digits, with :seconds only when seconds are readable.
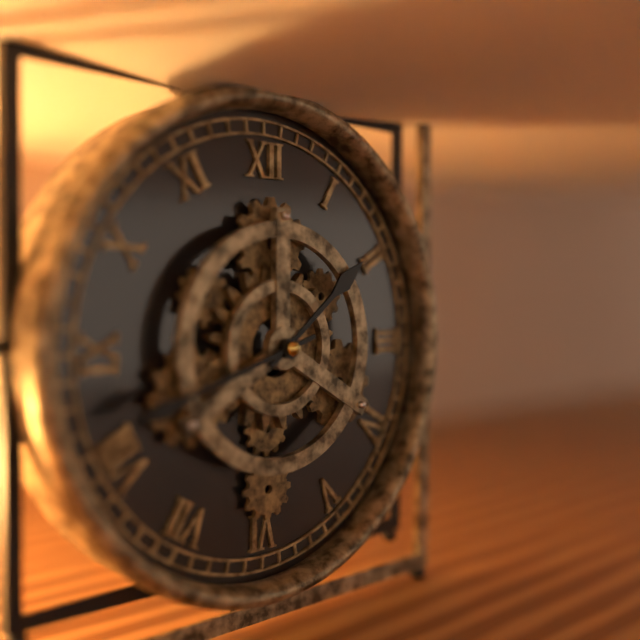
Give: 1:42
